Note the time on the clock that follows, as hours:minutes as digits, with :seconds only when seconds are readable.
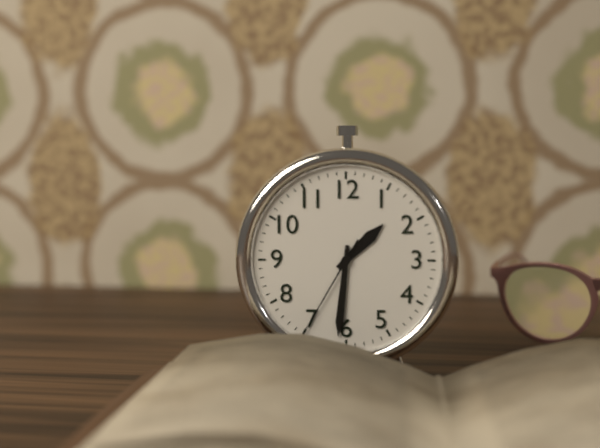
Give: 1:31:35
